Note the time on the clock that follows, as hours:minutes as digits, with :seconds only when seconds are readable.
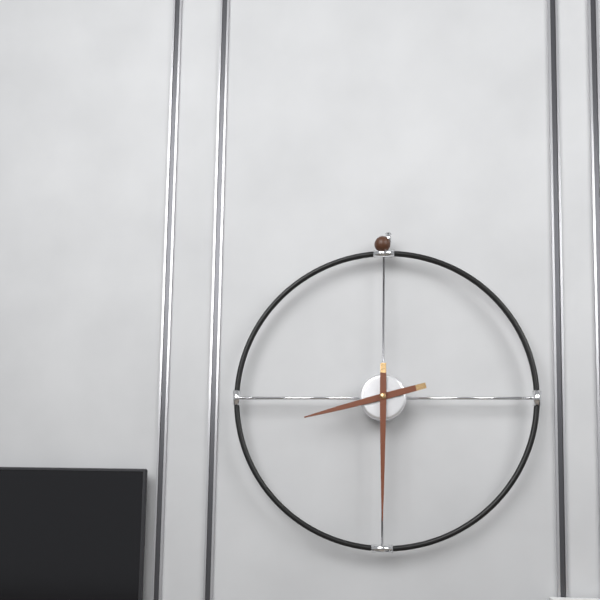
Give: 8:30
